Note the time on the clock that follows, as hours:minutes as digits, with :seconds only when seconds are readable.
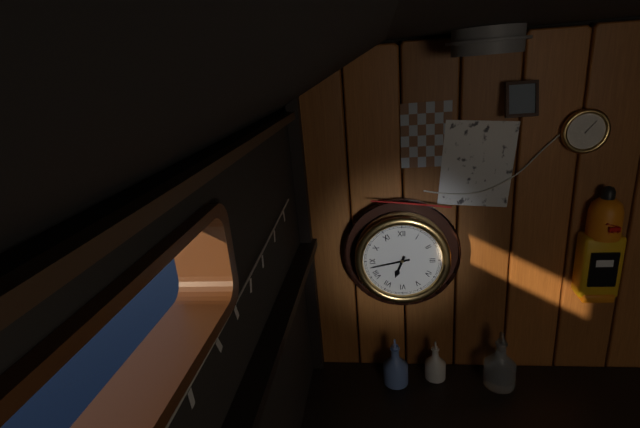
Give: 6:43
